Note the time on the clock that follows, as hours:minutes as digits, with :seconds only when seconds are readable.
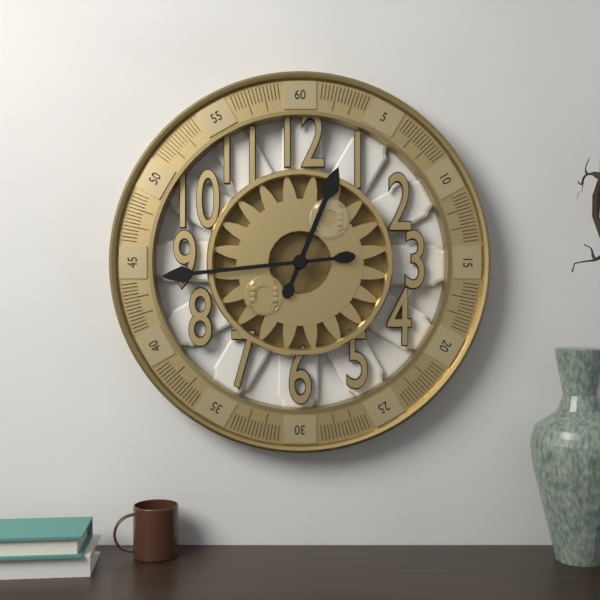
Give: 12:44
